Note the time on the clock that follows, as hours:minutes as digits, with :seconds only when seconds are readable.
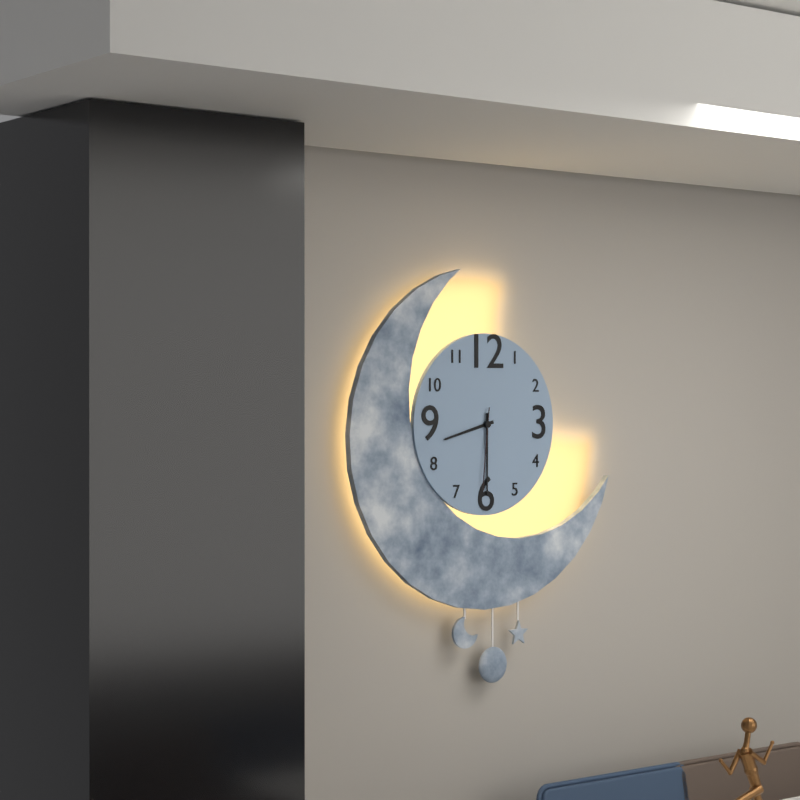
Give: 8:30:31
